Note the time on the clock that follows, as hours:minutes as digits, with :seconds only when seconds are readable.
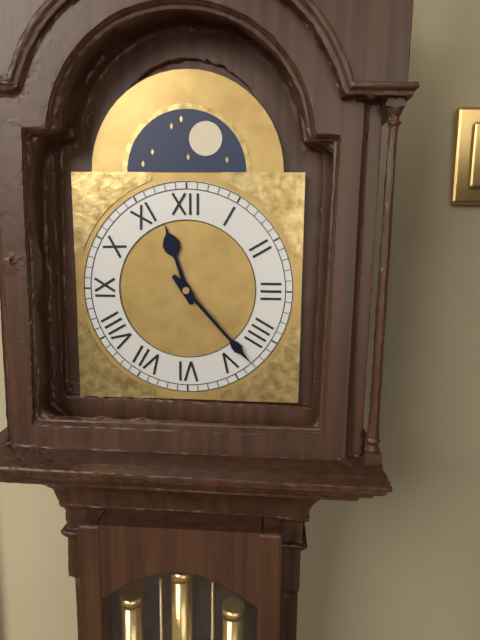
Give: 11:23
